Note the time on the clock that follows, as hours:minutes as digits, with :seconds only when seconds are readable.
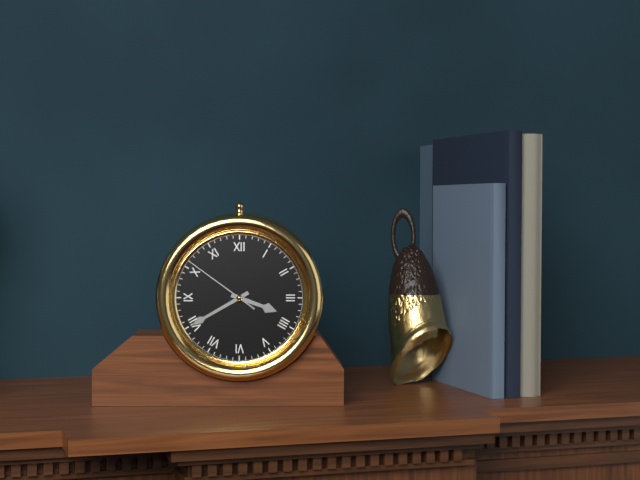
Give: 3:40:51
